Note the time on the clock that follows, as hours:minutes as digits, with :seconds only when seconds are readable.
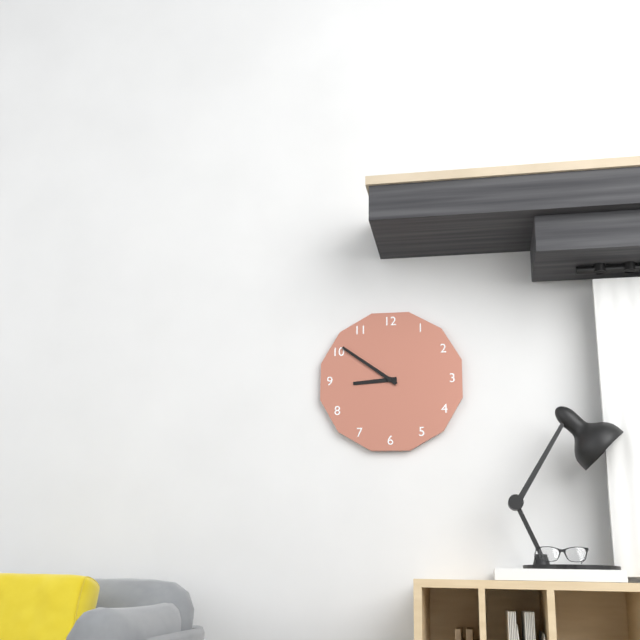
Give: 8:51
